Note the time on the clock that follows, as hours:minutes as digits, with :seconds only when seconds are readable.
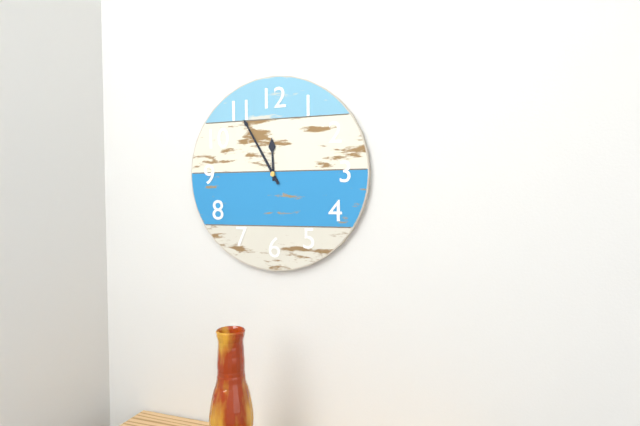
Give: 11:55
